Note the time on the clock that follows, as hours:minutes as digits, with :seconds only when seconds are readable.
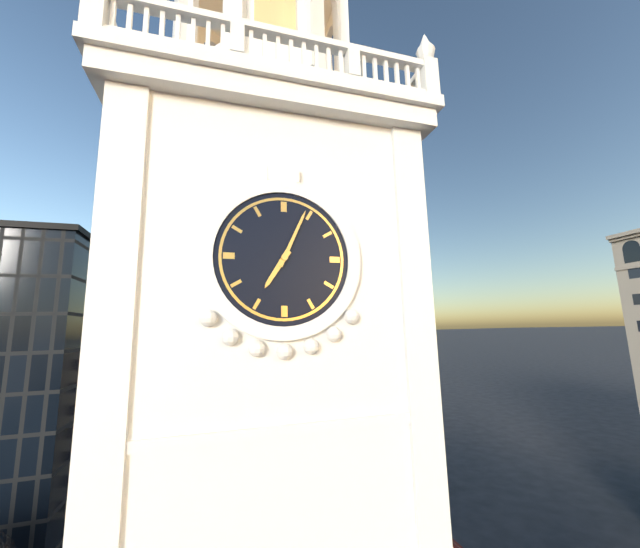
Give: 7:04
